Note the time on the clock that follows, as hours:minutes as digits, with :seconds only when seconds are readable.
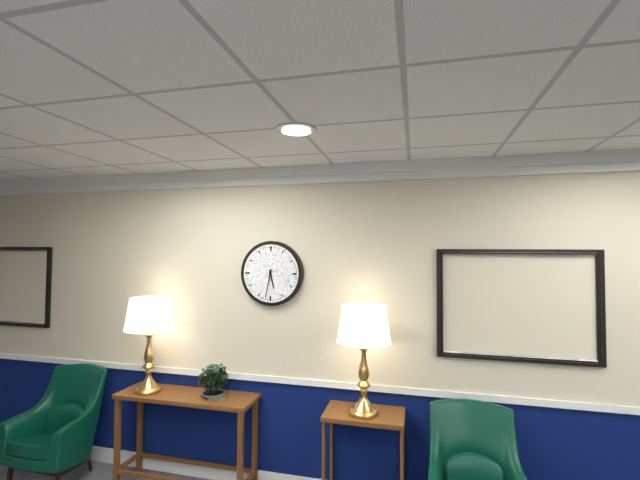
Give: 5:32
